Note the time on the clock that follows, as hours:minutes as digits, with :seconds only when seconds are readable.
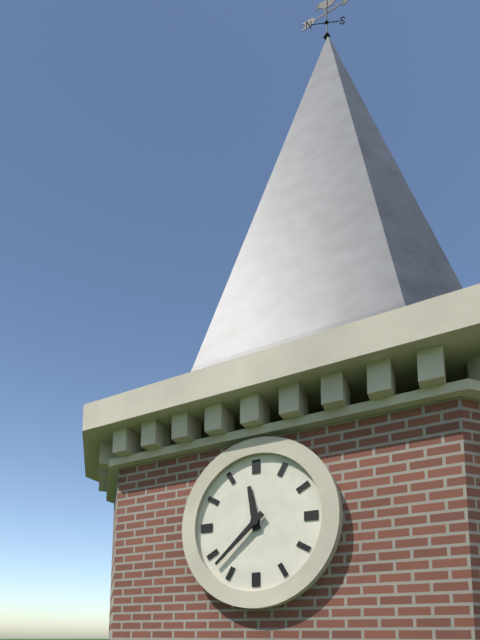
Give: 11:38
